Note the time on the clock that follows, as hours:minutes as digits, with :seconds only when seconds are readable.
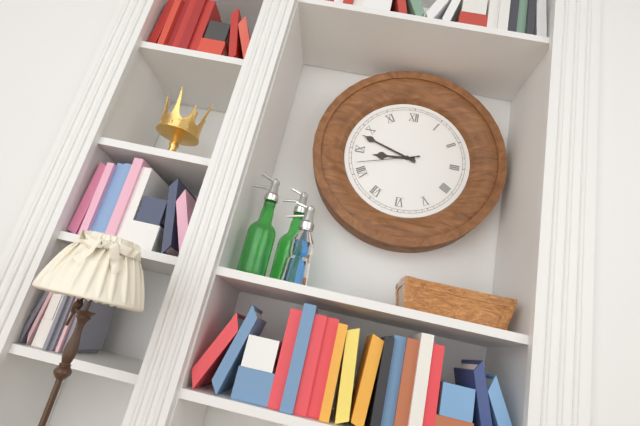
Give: 8:48:42
